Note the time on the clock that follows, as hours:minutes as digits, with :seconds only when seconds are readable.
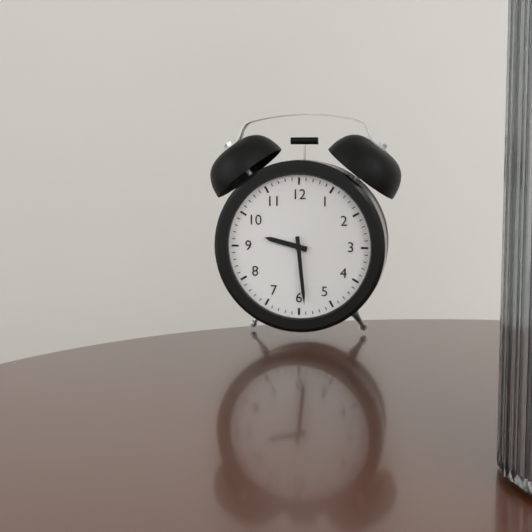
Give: 9:29
